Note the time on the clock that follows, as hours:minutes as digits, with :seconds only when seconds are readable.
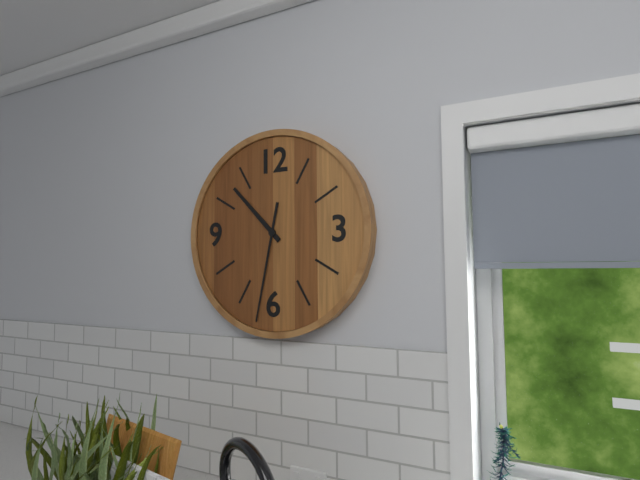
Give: 10:32
